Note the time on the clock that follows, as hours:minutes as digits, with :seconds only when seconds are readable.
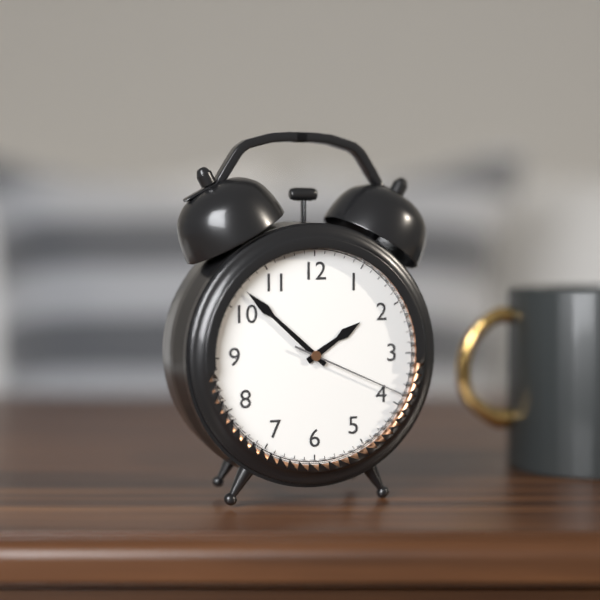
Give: 1:52:19
